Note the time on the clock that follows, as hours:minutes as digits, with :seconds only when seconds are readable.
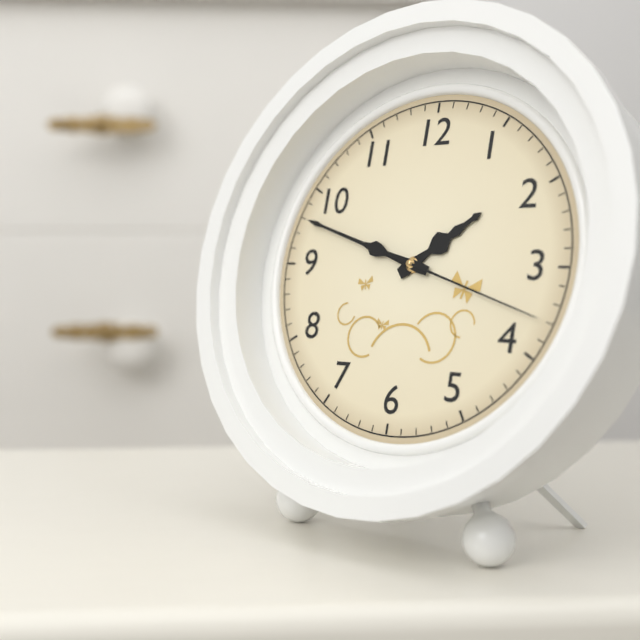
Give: 1:48:18
